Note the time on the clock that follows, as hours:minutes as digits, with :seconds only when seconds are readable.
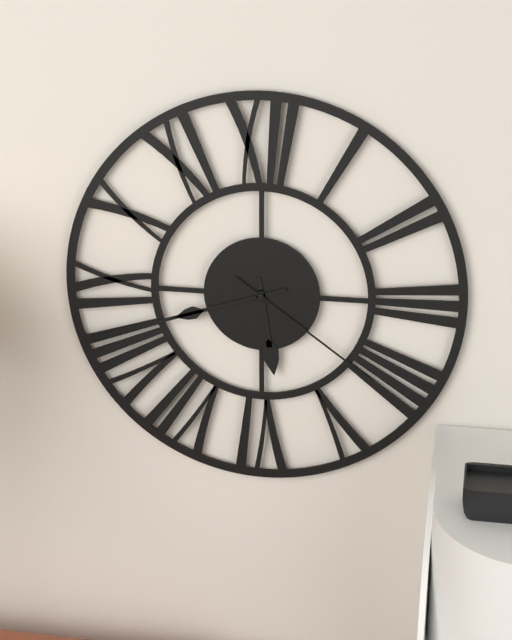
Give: 5:42:21
